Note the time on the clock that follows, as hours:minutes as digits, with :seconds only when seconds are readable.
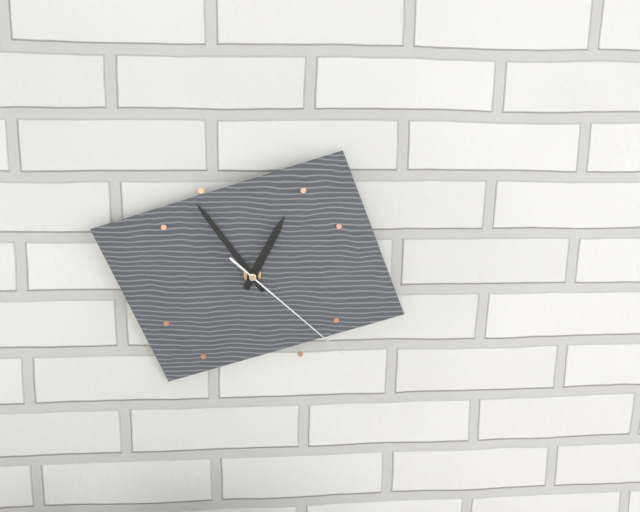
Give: 12:54:22
